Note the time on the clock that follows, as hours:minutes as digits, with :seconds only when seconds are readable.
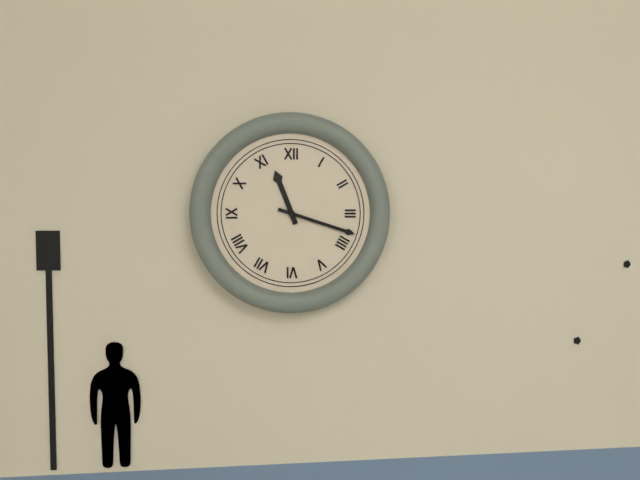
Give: 11:18
